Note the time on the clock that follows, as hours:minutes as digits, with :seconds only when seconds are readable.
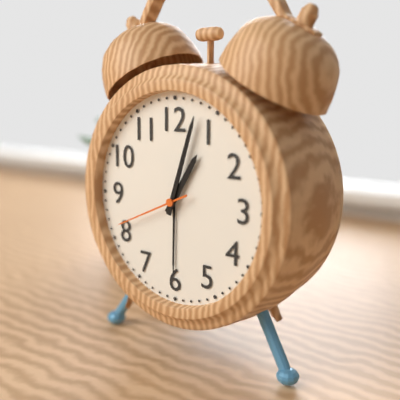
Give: 1:03:41
